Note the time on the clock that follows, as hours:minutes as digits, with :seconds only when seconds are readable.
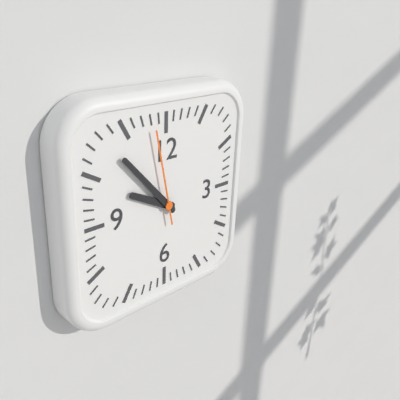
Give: 9:53:58
